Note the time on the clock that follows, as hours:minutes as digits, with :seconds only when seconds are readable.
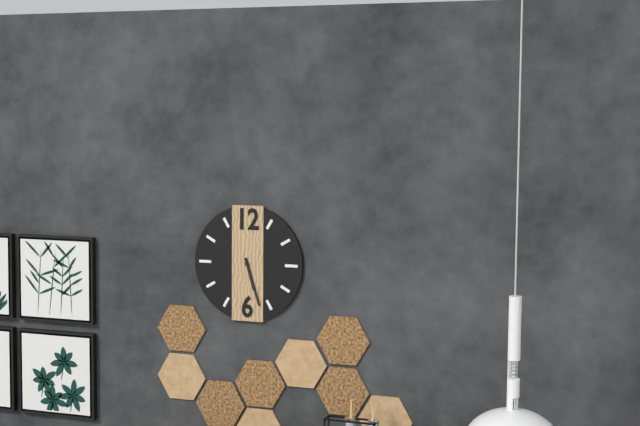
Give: 5:27
